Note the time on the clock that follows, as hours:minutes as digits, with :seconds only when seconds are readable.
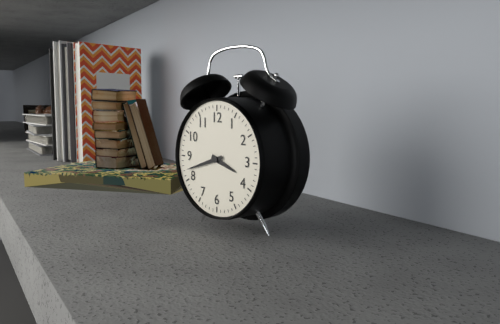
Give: 3:42
